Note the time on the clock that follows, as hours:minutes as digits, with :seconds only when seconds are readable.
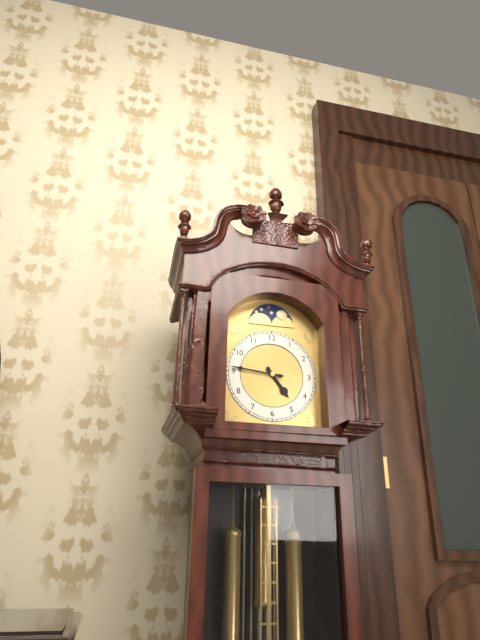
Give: 4:46
